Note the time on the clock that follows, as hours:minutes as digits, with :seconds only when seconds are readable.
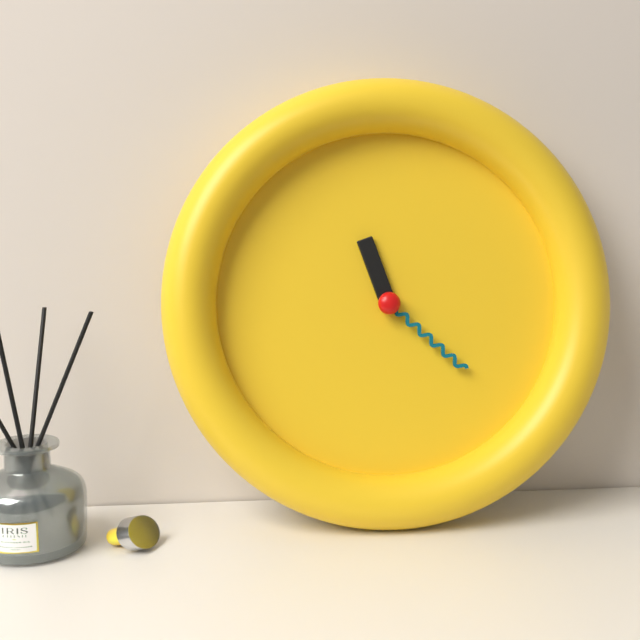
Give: 11:22
